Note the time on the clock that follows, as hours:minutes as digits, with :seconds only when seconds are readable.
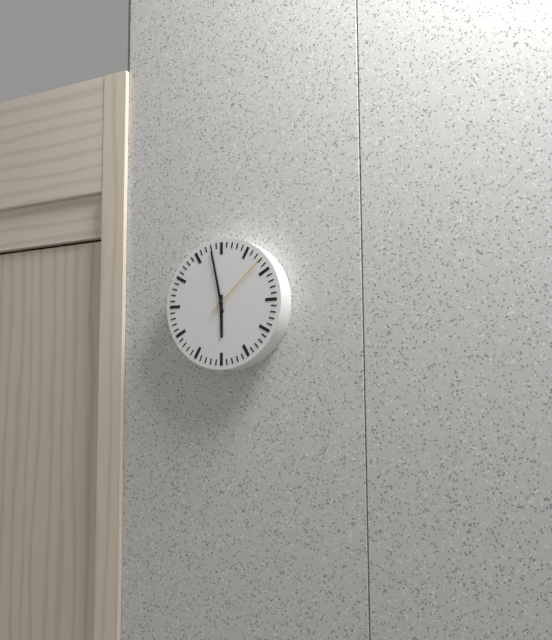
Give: 5:58:08
